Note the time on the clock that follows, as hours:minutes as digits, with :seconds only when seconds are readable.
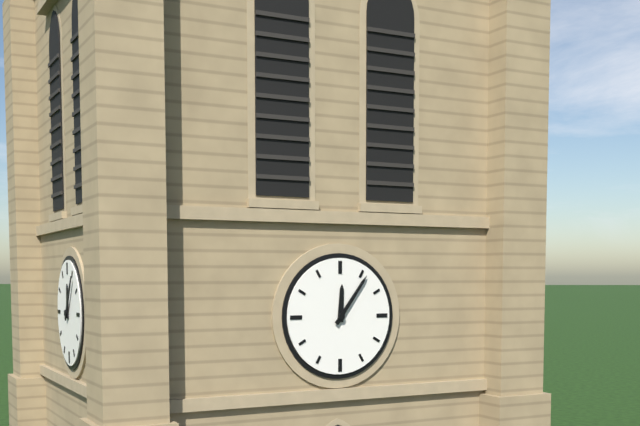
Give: 12:06
